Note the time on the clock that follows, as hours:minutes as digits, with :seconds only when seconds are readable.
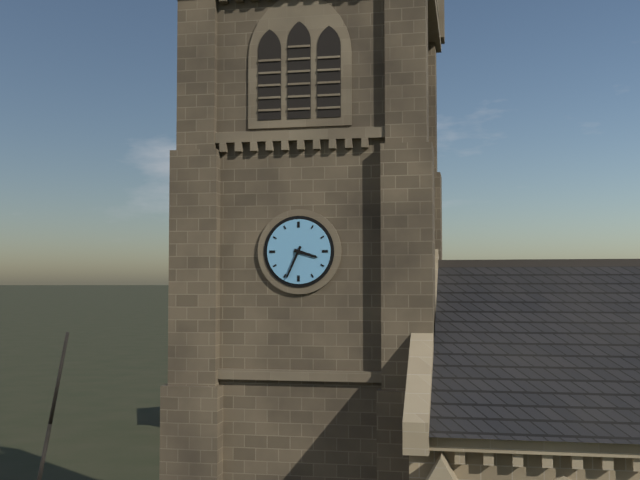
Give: 3:34
